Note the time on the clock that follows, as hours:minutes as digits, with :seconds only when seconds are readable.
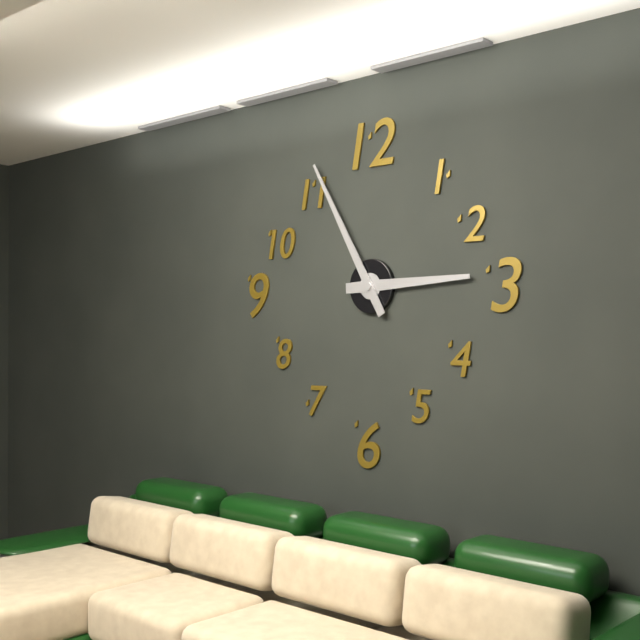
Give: 2:55
